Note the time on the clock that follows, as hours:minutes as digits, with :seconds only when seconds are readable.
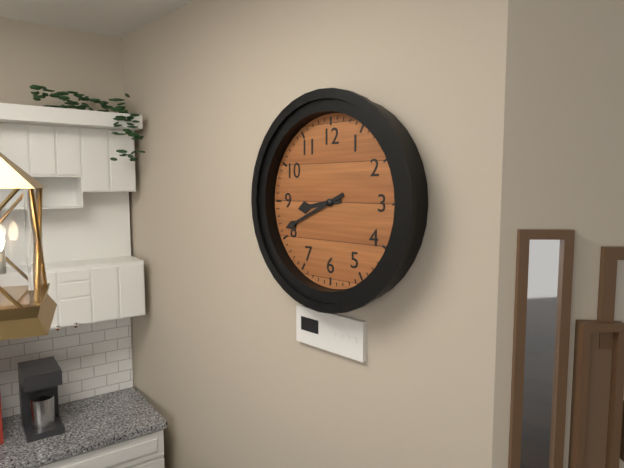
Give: 8:41
